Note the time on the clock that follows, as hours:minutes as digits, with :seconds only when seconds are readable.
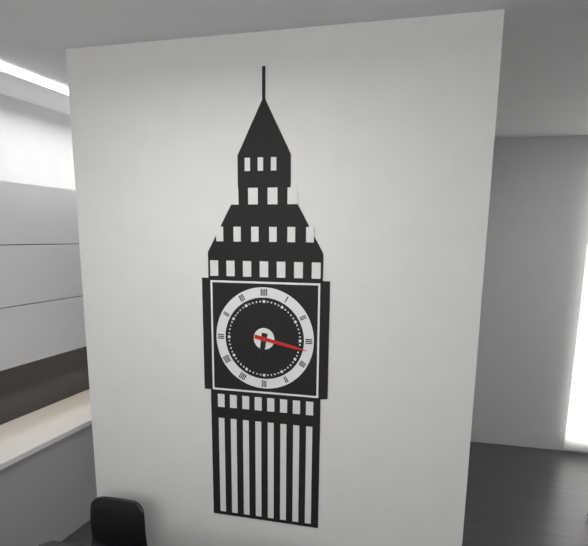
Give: 6:17
